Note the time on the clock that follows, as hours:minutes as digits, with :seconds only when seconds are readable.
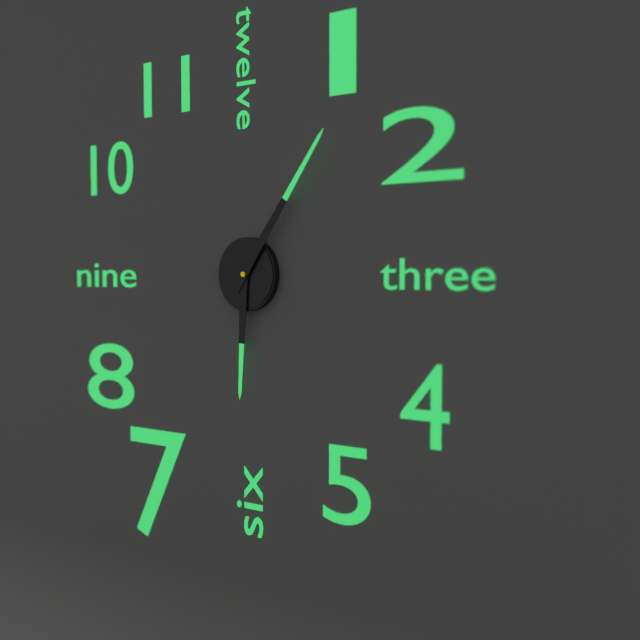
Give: 6:06
